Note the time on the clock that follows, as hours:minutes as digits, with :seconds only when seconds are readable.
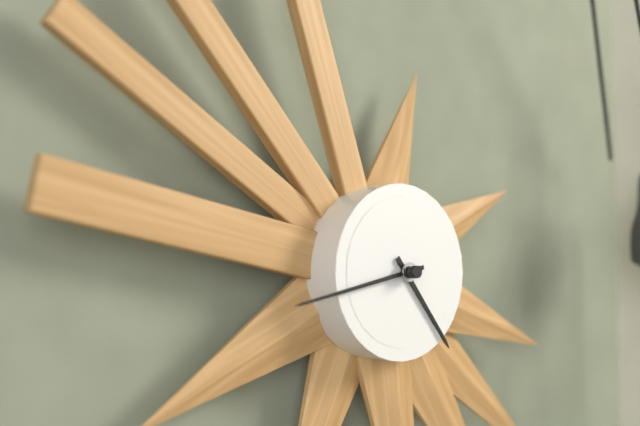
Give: 4:43
